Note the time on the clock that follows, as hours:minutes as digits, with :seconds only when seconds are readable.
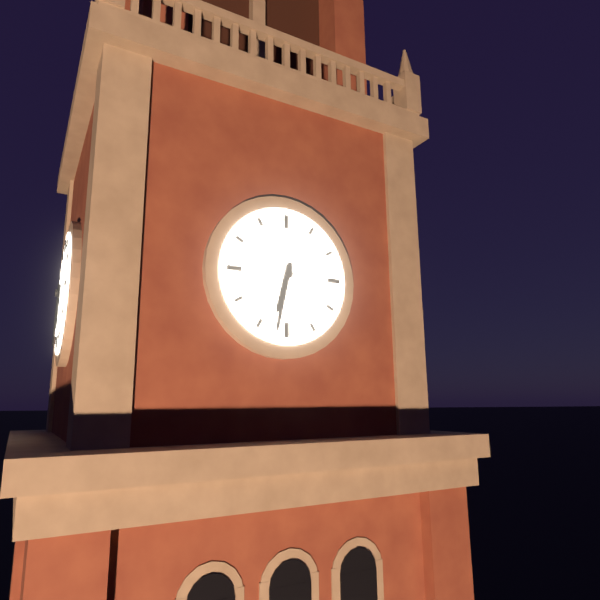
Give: 6:32
